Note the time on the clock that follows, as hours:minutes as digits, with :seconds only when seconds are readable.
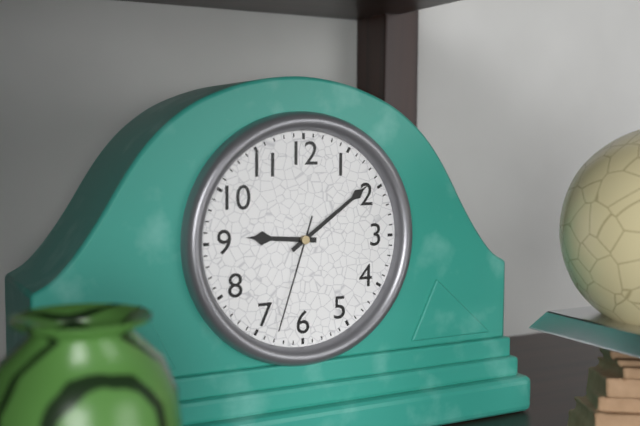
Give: 9:09:33
